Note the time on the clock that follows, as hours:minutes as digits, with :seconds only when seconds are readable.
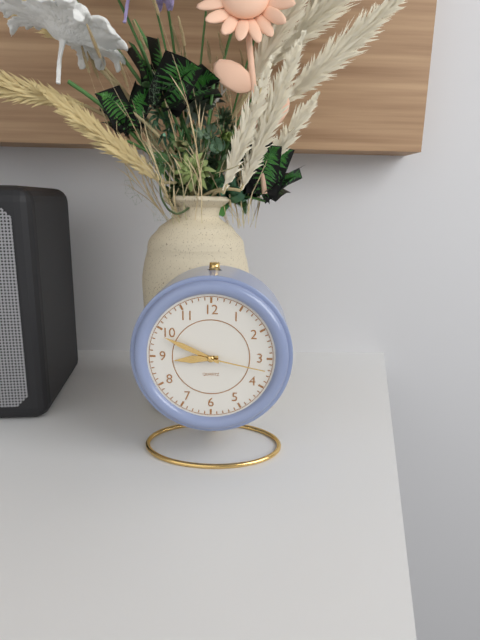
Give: 8:49:17
